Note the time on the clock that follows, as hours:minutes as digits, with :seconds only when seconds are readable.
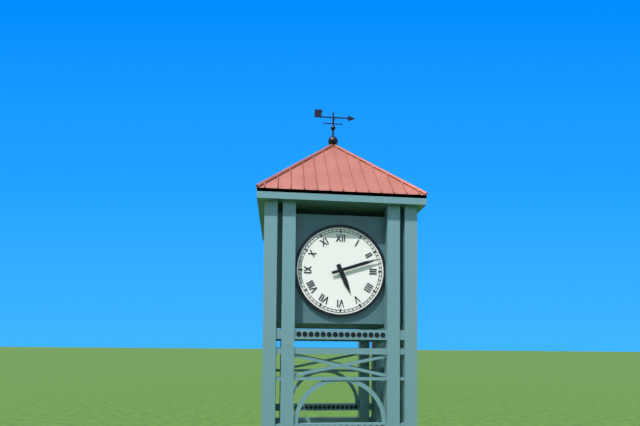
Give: 5:12
